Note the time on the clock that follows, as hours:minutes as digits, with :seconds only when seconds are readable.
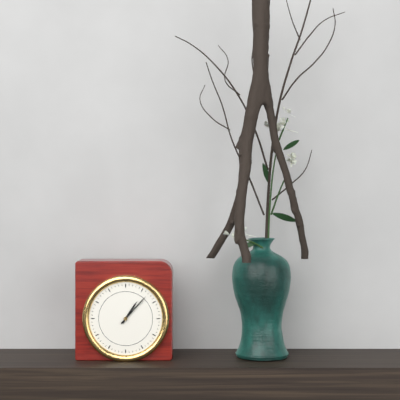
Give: 1:07
